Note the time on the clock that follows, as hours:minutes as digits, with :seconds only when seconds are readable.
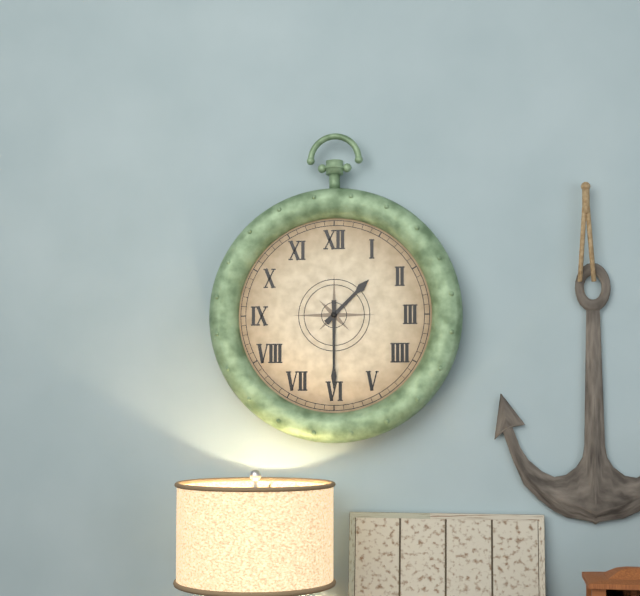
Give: 1:30
